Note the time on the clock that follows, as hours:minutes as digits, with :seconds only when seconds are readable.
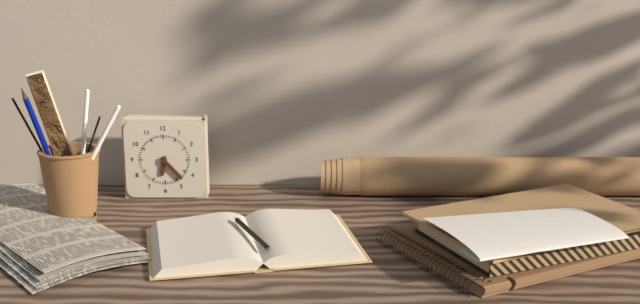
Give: 6:23
